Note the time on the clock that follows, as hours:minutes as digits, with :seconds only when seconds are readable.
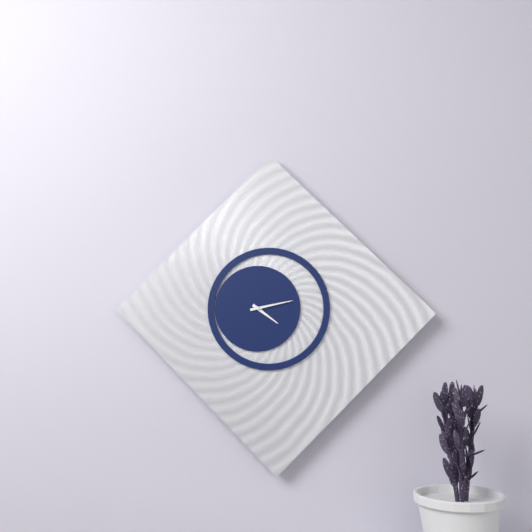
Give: 4:13
